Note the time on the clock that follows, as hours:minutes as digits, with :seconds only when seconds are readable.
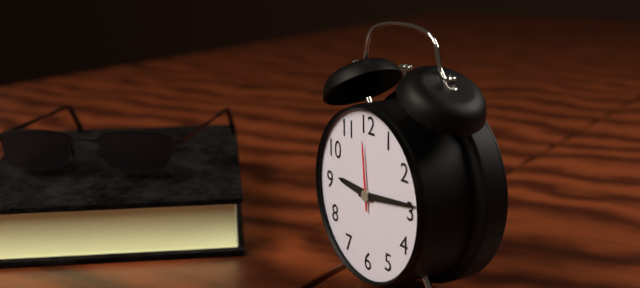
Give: 9:14:59
